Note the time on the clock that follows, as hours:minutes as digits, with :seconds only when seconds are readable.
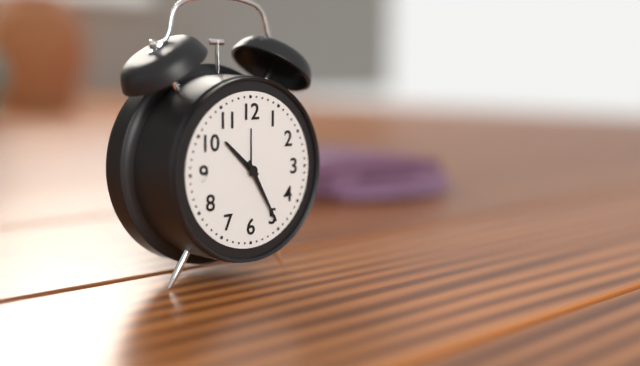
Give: 10:25
